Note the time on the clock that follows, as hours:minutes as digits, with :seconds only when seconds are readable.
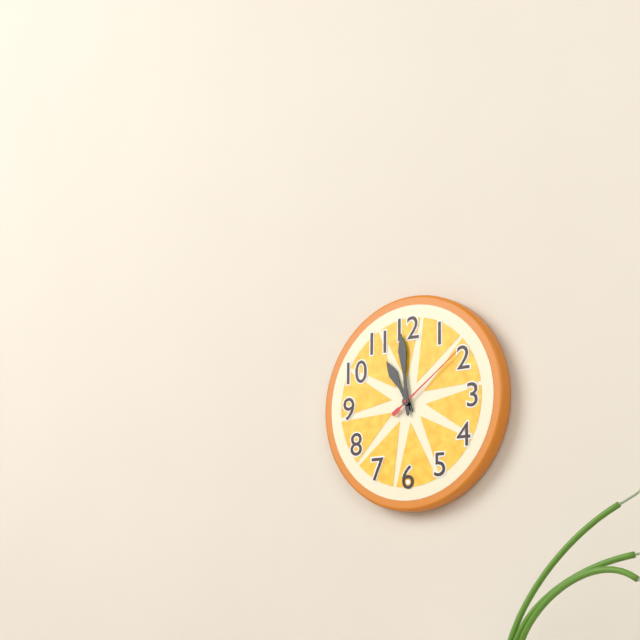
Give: 10:59:09
